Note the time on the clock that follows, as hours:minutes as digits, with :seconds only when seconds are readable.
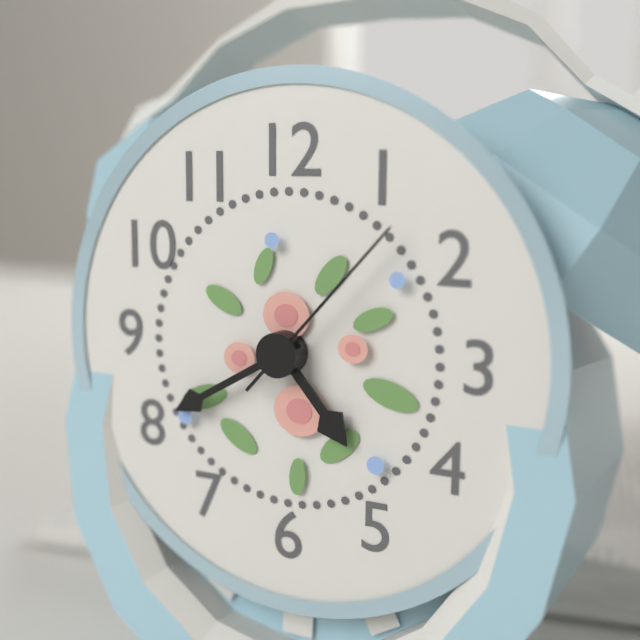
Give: 4:40:07
